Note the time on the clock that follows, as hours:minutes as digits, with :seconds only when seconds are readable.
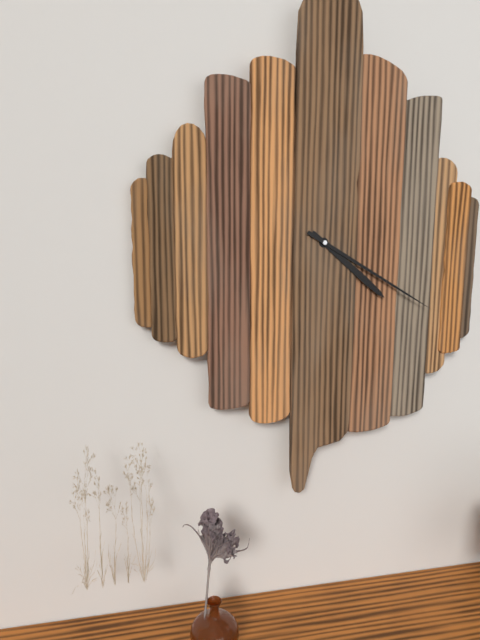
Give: 4:20
